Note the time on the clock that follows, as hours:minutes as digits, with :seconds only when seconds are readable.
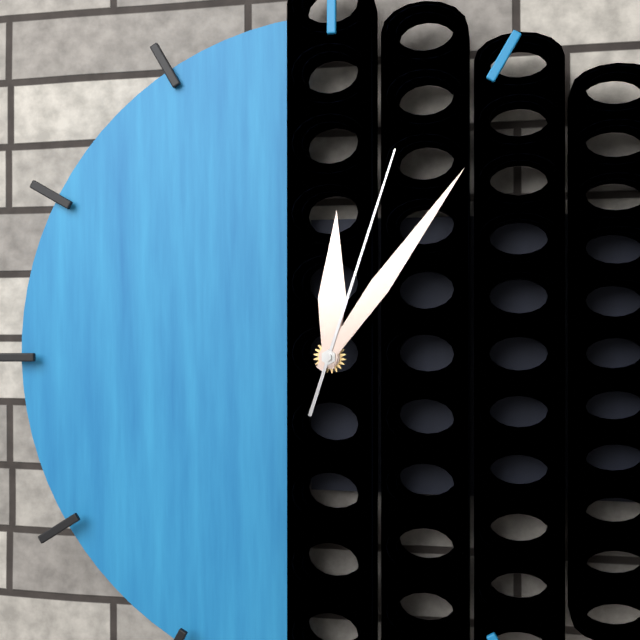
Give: 12:06:03
